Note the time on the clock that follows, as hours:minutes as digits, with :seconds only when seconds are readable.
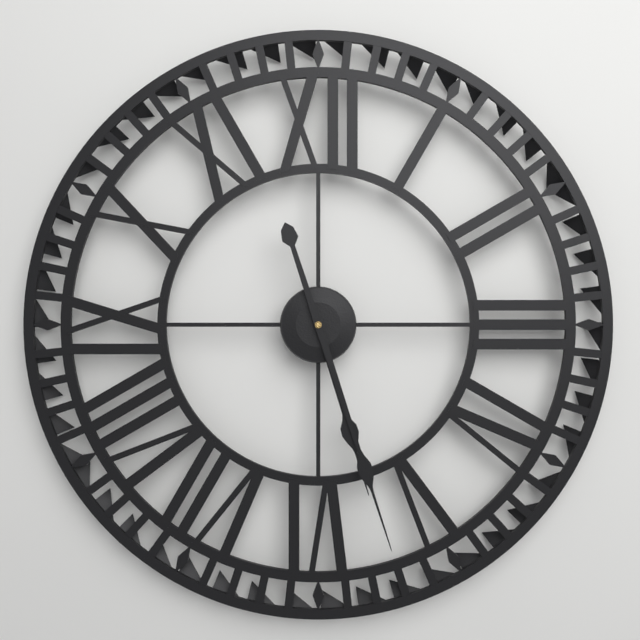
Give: 5:27
